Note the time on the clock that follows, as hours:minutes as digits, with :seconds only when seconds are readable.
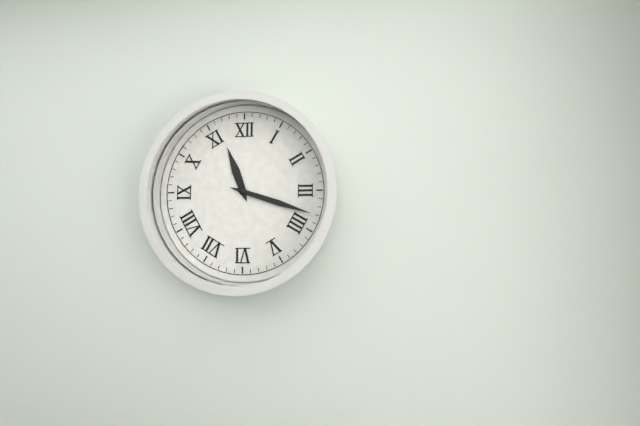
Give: 11:18
